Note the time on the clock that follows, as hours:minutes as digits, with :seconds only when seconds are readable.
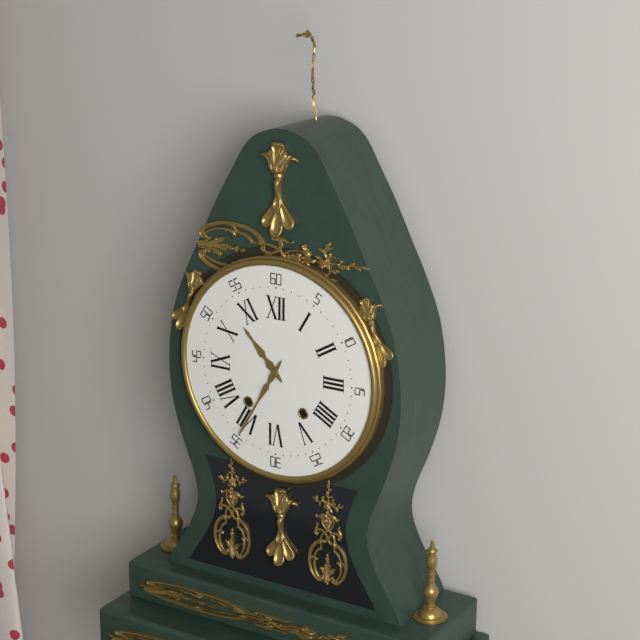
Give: 10:35
